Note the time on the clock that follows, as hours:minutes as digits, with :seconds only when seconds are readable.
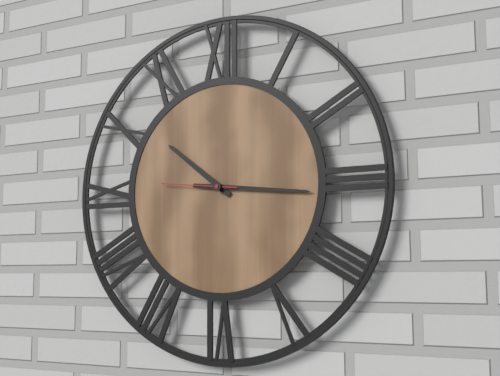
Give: 10:16:46
